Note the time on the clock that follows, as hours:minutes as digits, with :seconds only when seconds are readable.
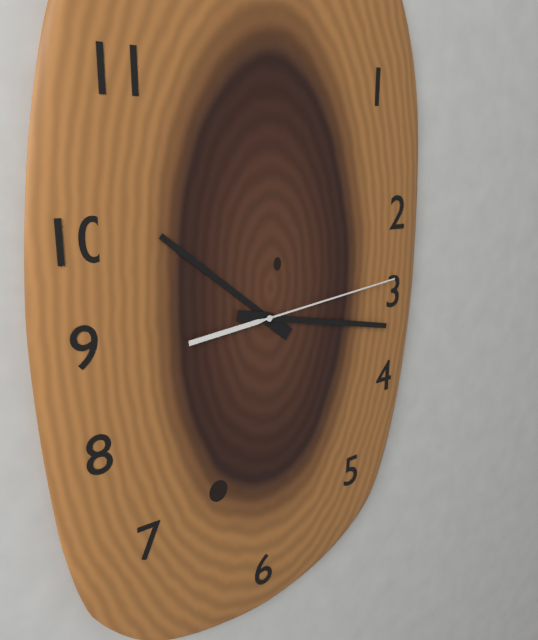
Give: 10:17:14
